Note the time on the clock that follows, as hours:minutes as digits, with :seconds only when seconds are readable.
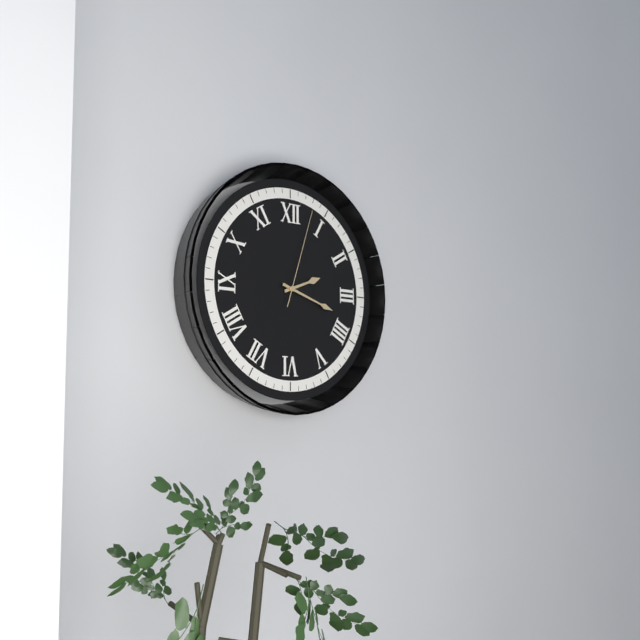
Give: 2:18:03
